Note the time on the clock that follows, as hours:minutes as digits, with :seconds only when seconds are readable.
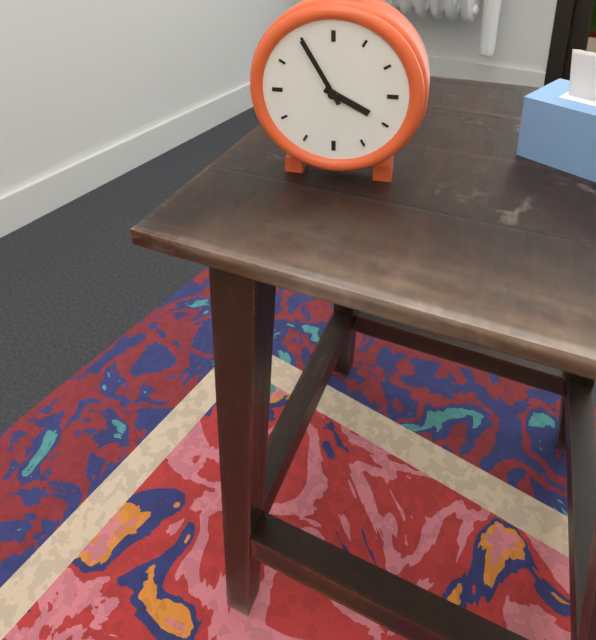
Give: 3:55
